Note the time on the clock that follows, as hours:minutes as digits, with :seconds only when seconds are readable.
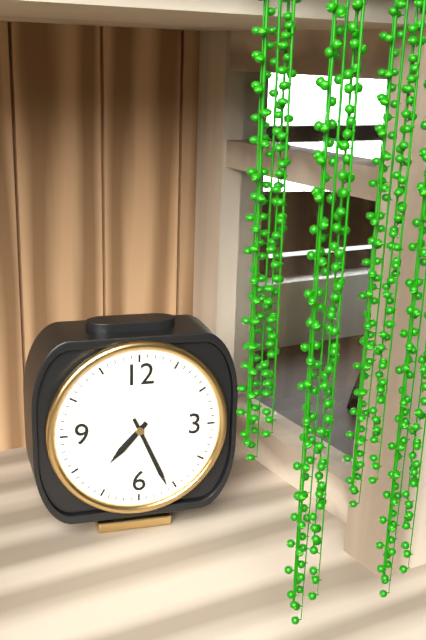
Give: 7:26
